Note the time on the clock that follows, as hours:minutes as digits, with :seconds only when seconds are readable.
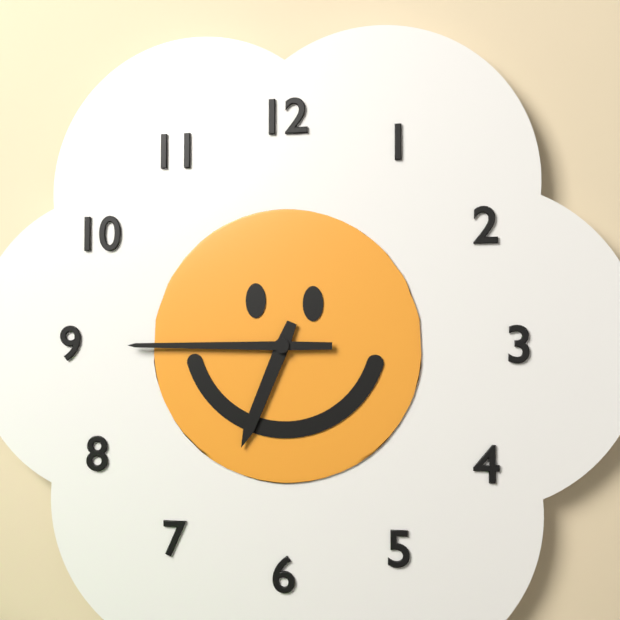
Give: 6:45
